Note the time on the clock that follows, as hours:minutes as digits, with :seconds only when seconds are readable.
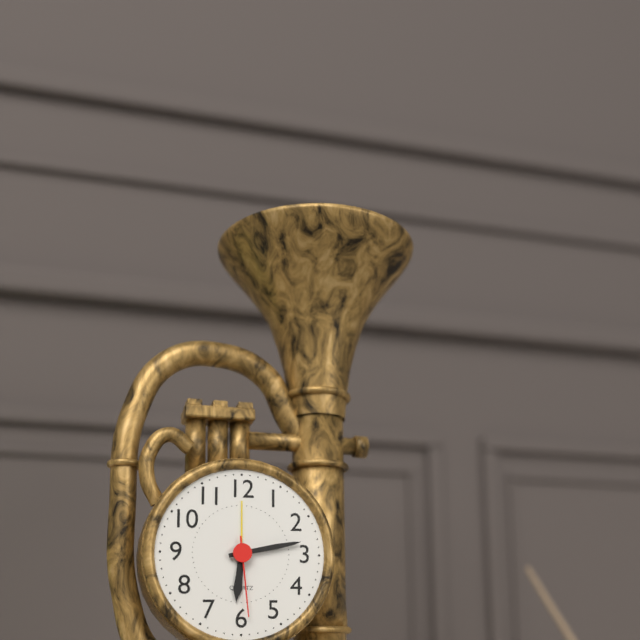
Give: 6:13:29
